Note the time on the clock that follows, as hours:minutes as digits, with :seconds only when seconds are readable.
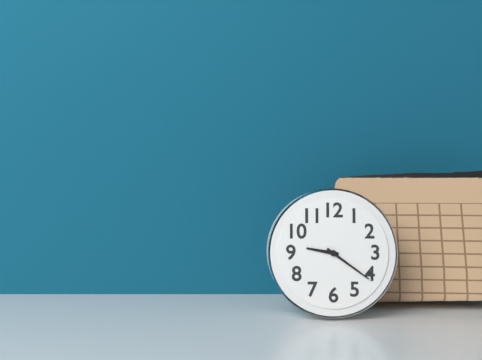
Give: 9:21
